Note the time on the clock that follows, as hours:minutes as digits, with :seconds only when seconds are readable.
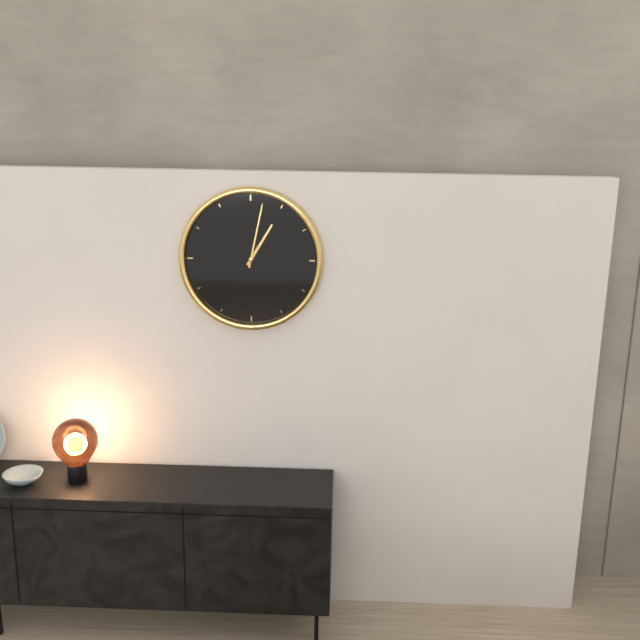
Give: 1:02
